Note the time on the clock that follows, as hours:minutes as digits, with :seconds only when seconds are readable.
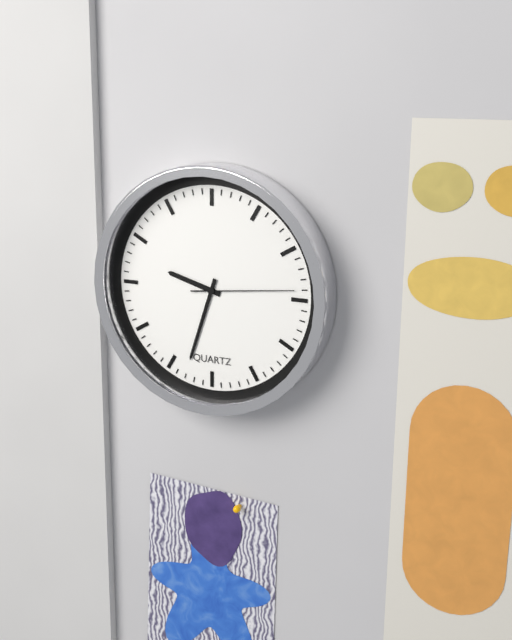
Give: 9:33:14
